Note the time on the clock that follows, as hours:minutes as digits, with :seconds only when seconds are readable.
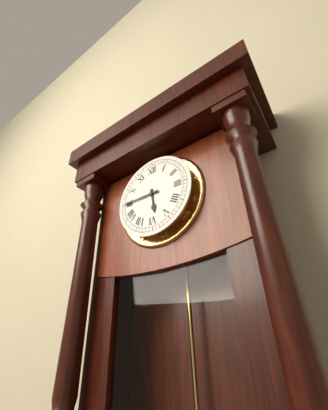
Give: 5:45
